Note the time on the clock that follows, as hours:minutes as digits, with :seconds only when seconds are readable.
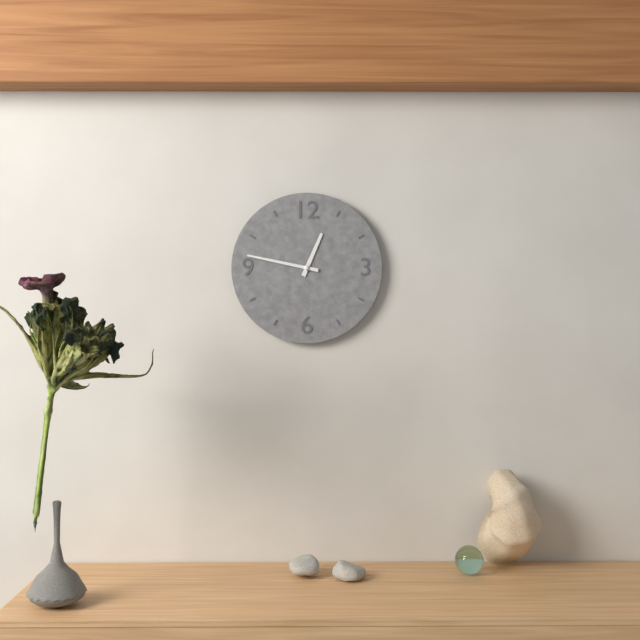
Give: 12:47
